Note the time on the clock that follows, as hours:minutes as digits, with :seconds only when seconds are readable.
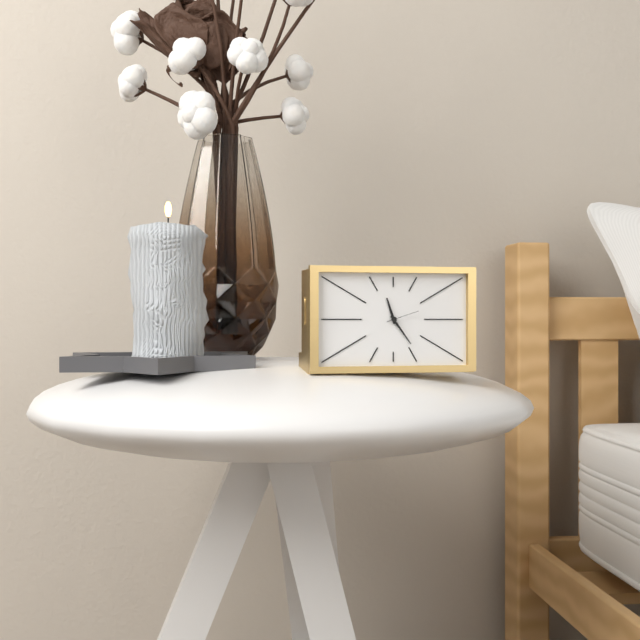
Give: 11:24
